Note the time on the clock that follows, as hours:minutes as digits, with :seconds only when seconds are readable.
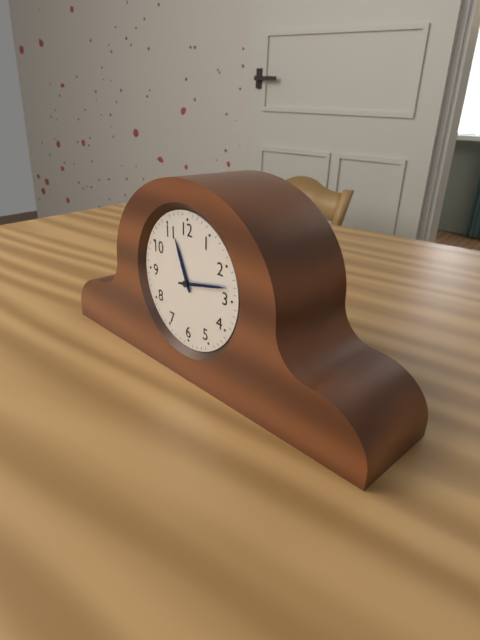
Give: 11:13
